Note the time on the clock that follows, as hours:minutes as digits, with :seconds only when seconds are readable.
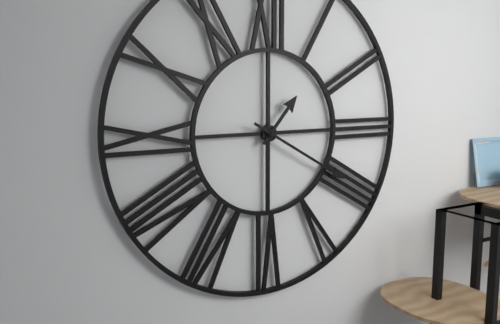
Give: 1:20
